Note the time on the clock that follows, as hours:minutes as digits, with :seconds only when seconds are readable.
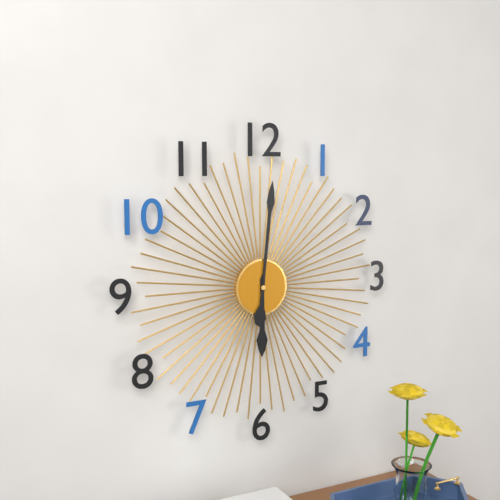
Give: 6:01
